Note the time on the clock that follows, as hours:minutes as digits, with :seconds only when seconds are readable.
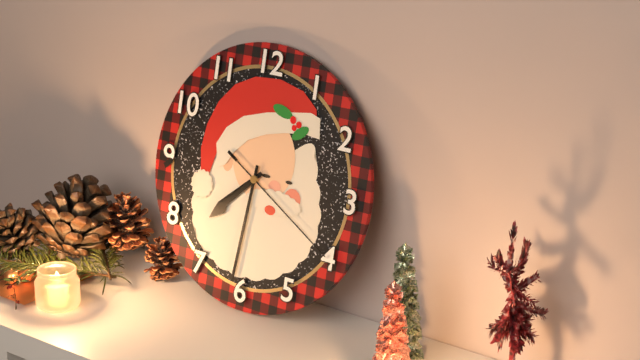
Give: 7:31:20
